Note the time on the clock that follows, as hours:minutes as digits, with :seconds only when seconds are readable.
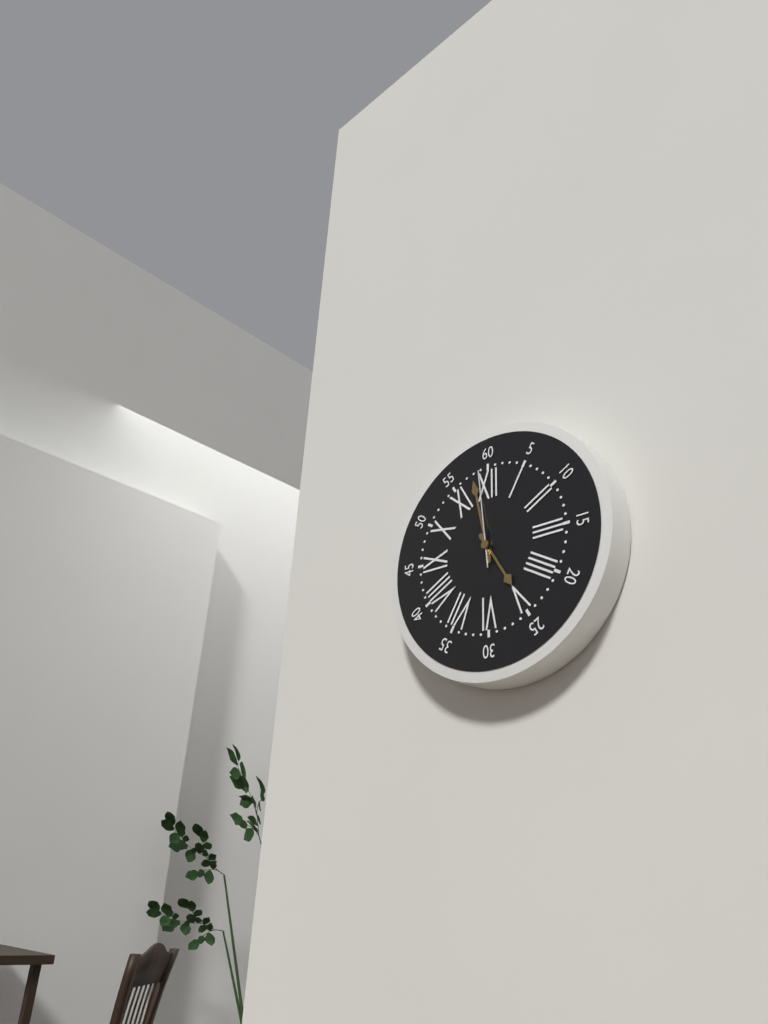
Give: 4:58:59
